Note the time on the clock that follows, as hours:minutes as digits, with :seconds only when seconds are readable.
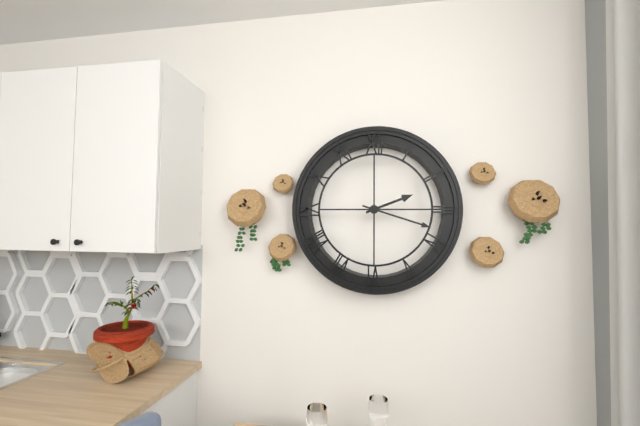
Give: 2:18
